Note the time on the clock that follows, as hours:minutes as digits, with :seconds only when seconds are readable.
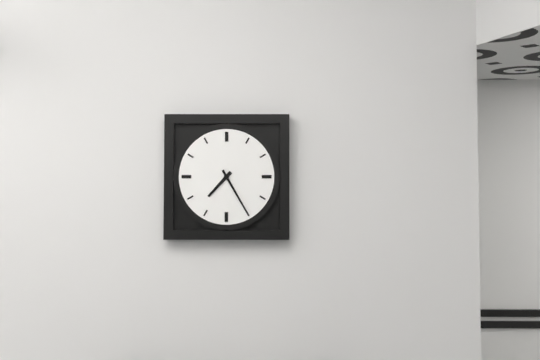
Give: 7:25
